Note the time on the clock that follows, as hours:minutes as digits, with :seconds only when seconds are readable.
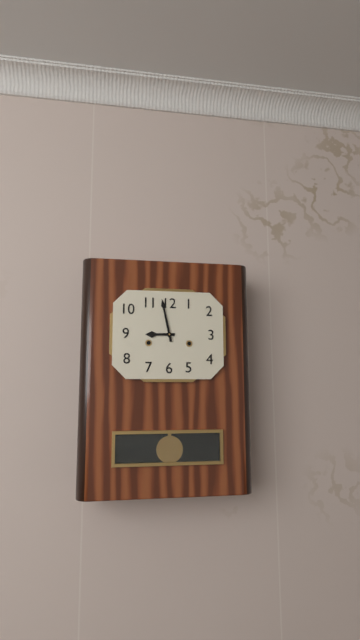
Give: 8:58
